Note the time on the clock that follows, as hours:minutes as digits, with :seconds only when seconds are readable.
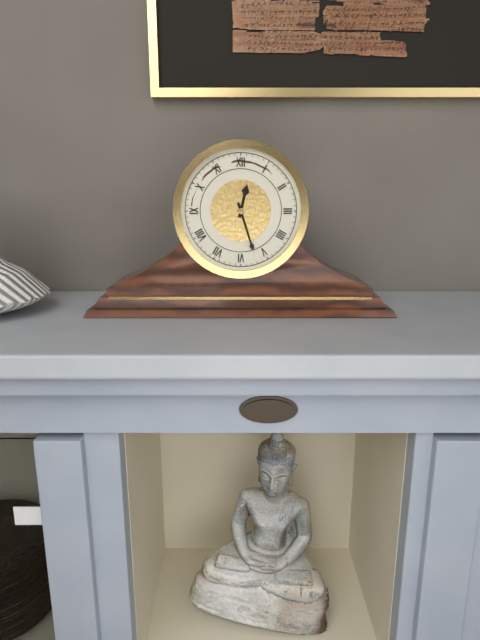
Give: 12:27
